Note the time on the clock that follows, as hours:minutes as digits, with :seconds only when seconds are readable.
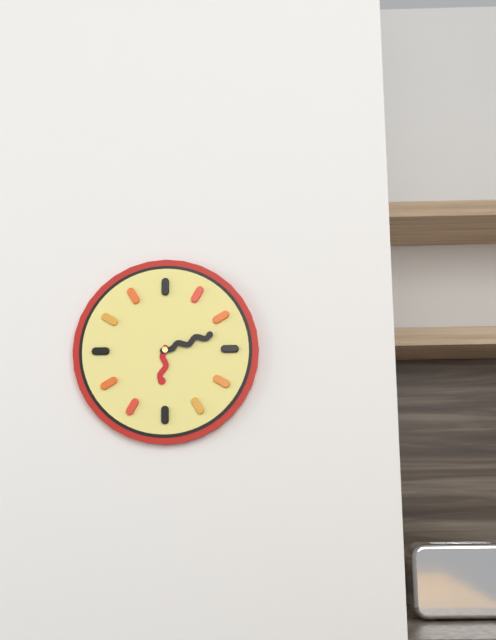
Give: 6:12
